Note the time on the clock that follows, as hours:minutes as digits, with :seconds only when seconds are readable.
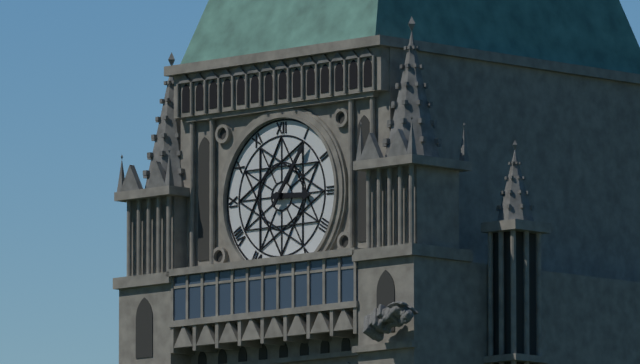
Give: 3:06
